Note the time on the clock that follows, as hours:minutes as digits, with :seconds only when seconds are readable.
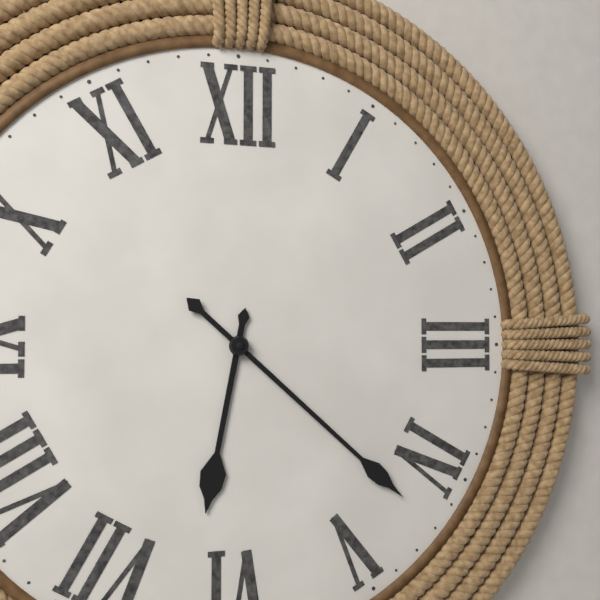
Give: 6:22
